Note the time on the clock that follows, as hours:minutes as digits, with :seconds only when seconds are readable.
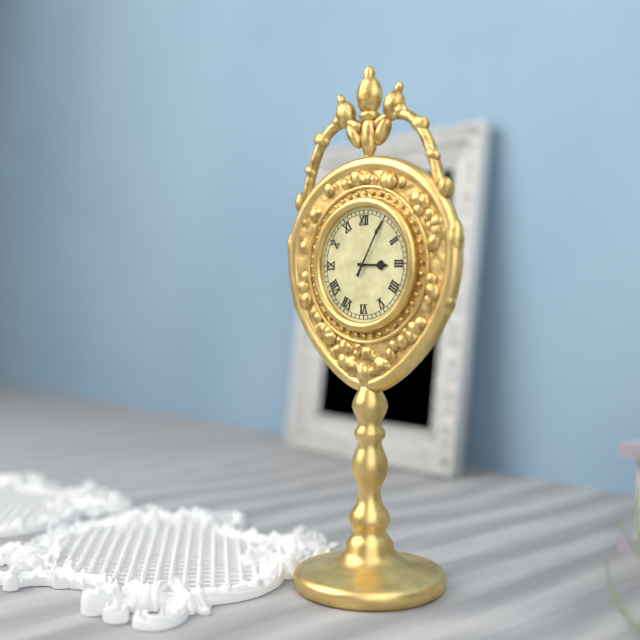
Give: 3:05
